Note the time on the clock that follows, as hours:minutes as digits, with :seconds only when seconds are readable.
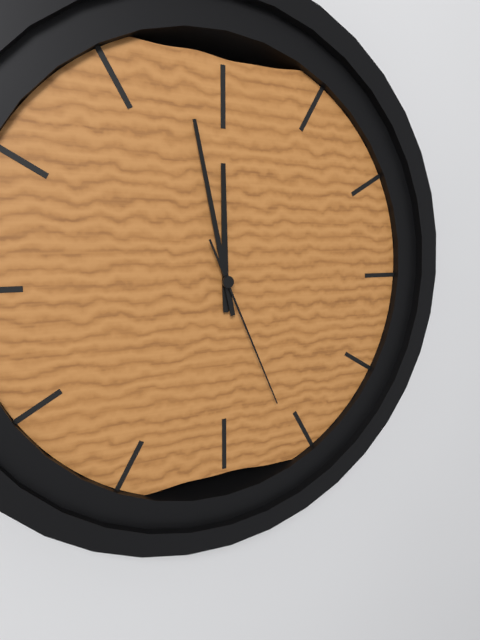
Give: 11:58:26
